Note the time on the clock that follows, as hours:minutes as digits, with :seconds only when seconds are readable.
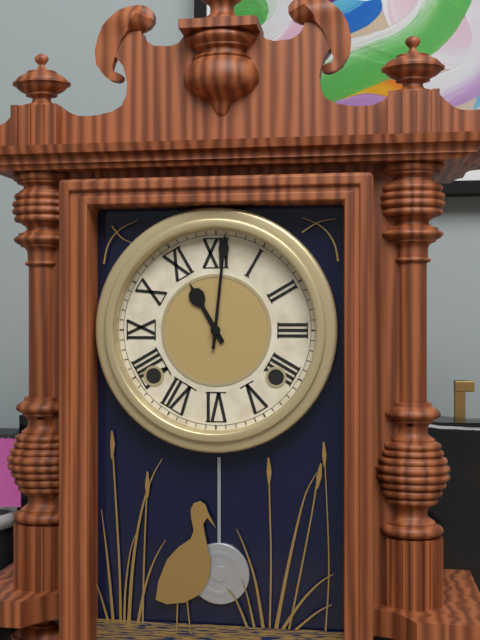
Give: 11:01
